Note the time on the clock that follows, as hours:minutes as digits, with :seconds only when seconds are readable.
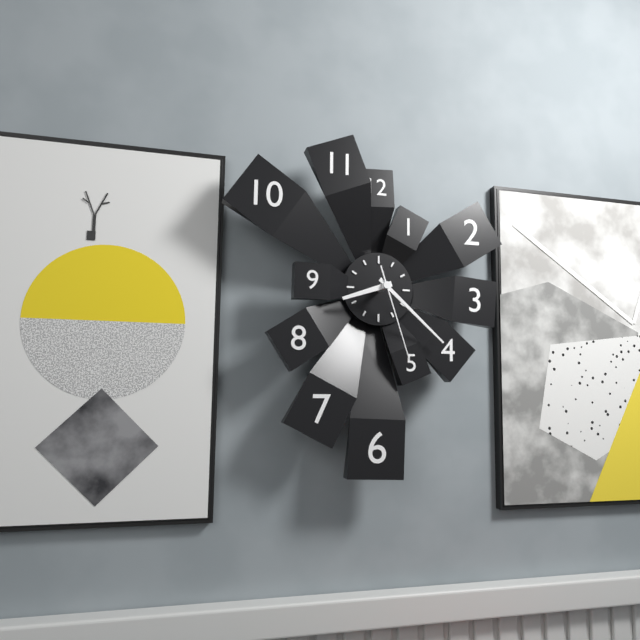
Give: 8:22:27
